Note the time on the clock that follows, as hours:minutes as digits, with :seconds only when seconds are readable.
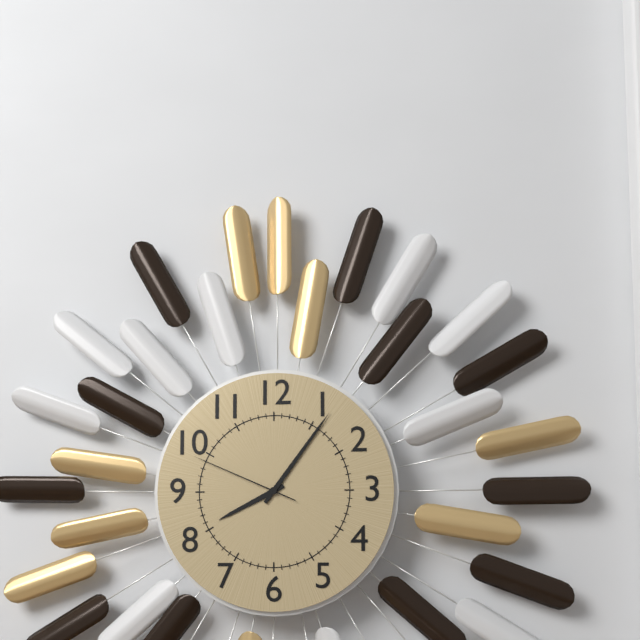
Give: 8:06:49
